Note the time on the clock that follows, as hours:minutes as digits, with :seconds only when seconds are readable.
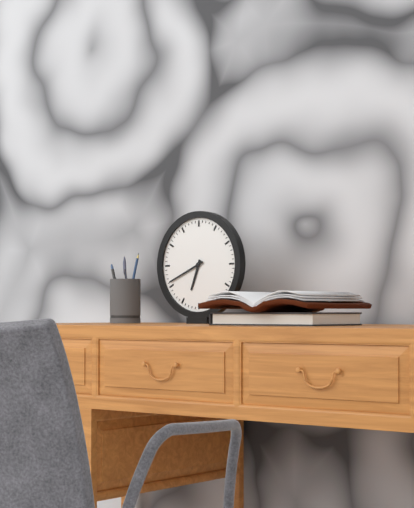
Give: 6:41
